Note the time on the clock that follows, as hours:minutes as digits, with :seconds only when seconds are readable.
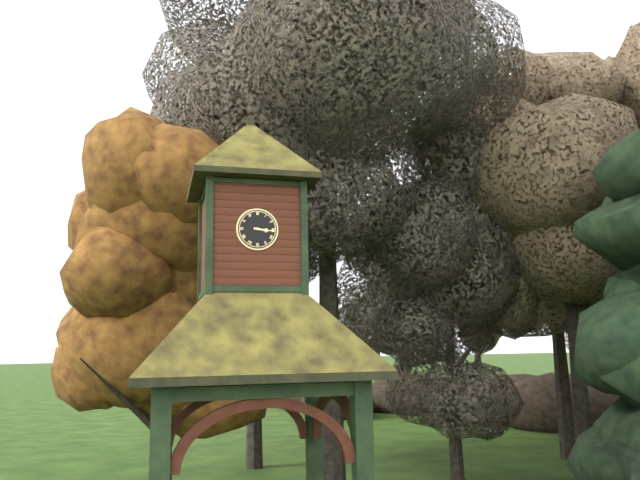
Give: 3:16
